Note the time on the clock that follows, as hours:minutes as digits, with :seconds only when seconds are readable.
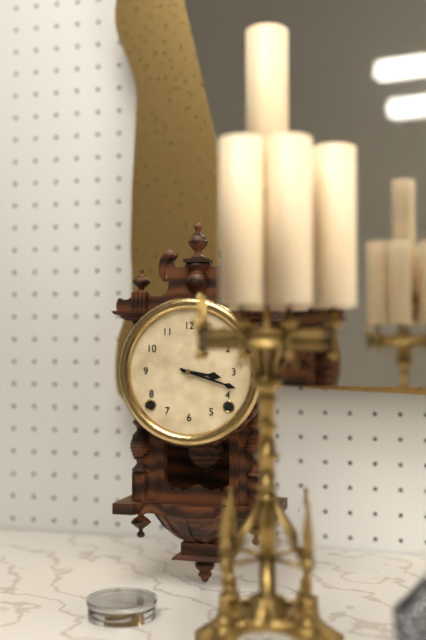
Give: 3:18
